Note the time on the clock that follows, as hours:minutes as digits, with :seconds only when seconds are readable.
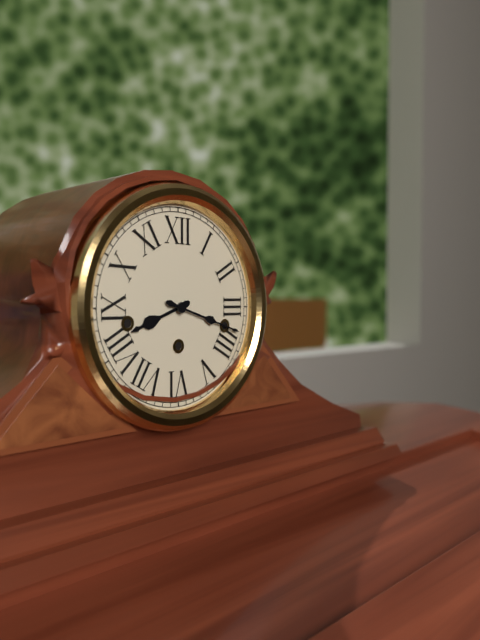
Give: 8:18
